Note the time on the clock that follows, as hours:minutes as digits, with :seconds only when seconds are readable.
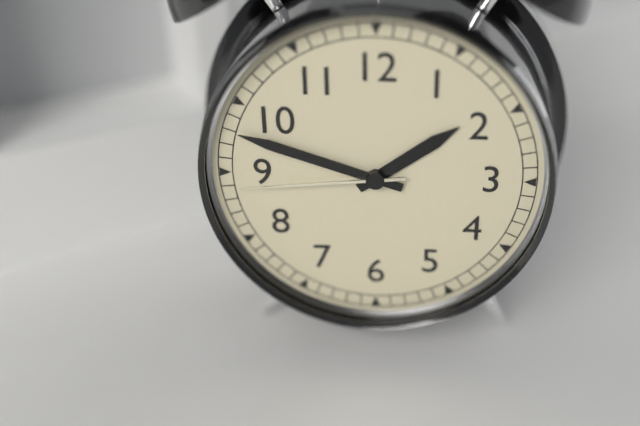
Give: 1:48:44
